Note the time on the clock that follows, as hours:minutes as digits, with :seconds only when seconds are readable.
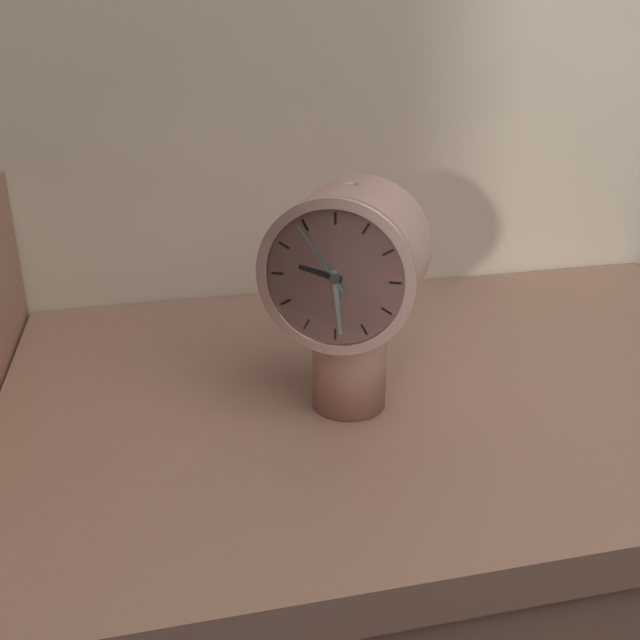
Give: 9:29:54
